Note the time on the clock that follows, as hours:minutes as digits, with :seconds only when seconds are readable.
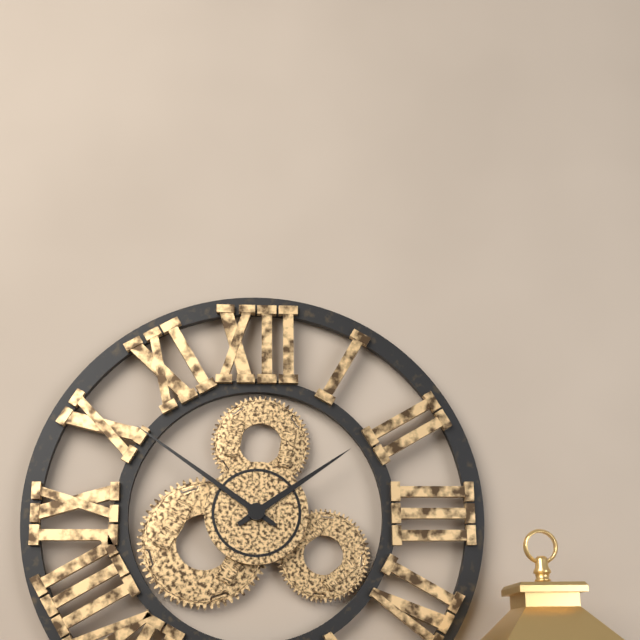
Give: 1:51
